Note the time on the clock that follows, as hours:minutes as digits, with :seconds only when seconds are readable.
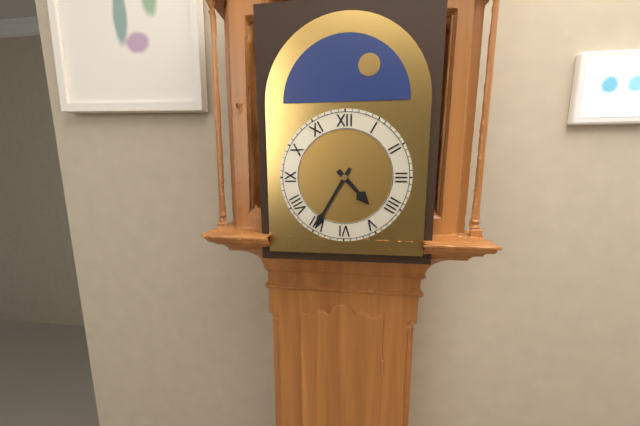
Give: 4:35
